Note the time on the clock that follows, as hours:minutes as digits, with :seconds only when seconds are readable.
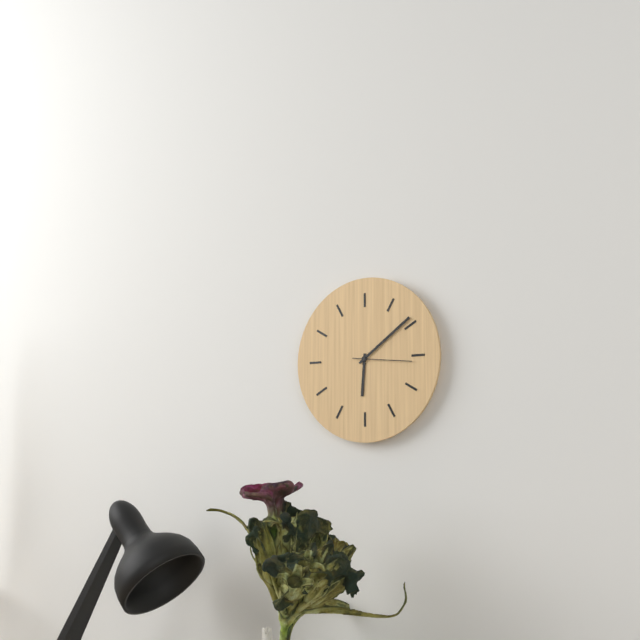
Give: 6:09:16
